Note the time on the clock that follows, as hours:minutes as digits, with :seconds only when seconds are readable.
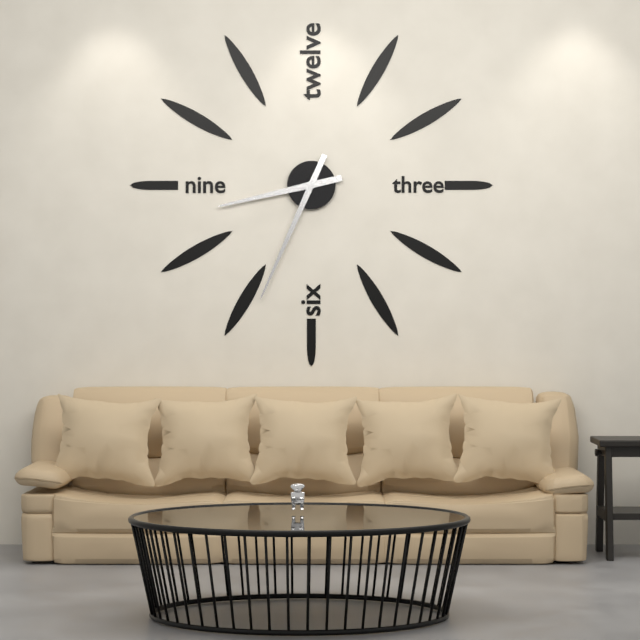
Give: 8:34
